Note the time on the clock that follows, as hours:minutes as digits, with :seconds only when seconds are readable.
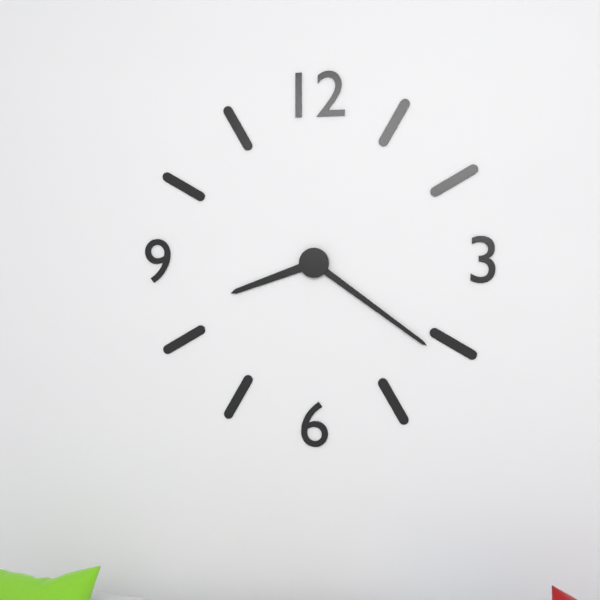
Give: 8:21
